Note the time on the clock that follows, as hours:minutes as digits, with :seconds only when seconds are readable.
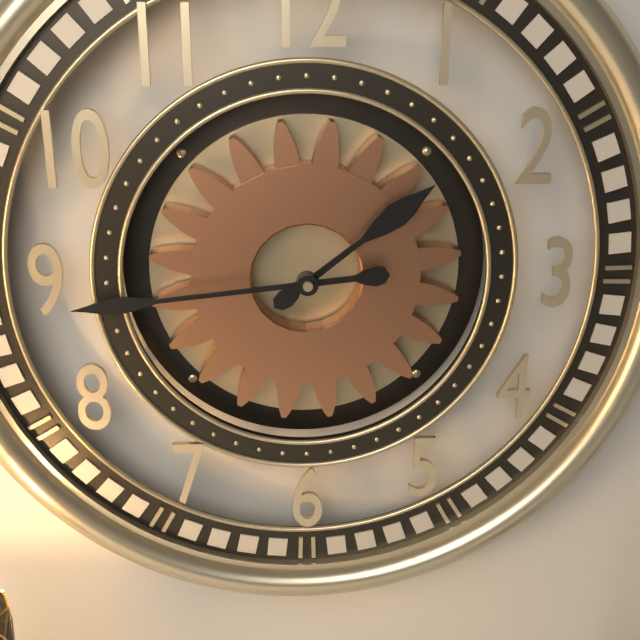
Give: 1:44
